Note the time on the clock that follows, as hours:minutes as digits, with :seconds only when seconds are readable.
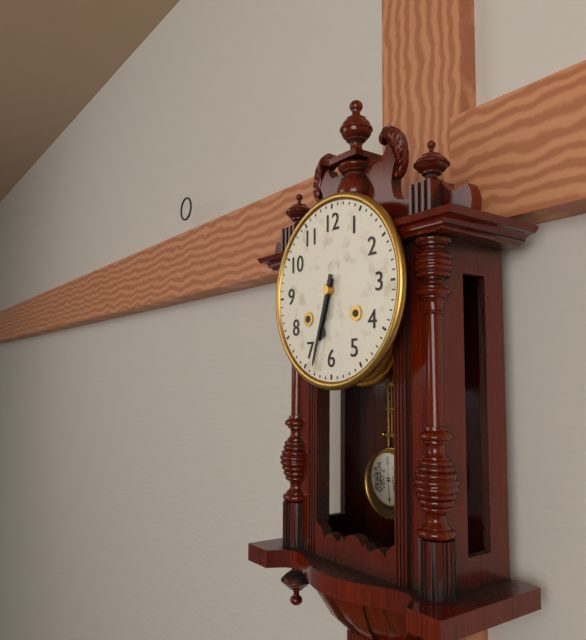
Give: 6:33
